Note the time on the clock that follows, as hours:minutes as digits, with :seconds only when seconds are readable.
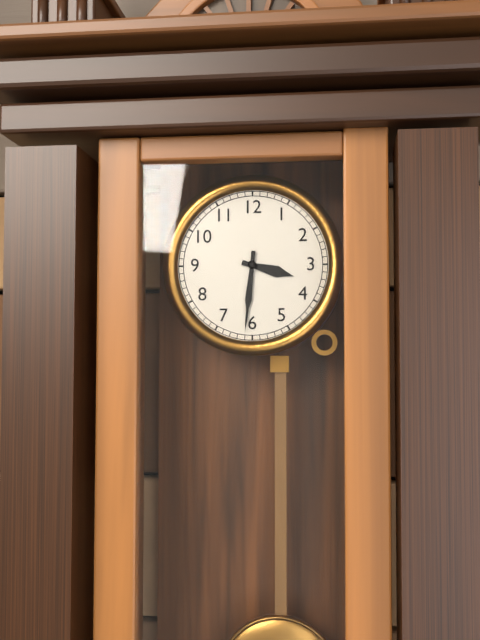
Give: 3:31
